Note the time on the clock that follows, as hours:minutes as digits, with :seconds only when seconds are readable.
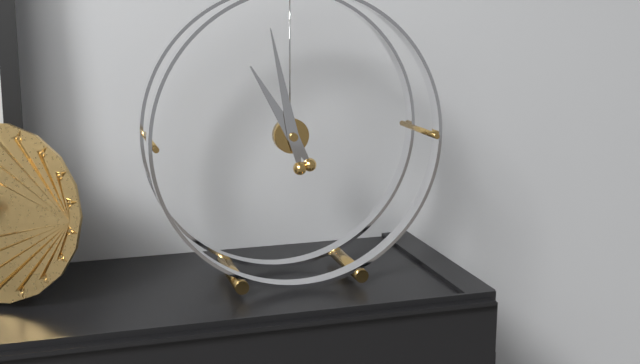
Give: 10:58
